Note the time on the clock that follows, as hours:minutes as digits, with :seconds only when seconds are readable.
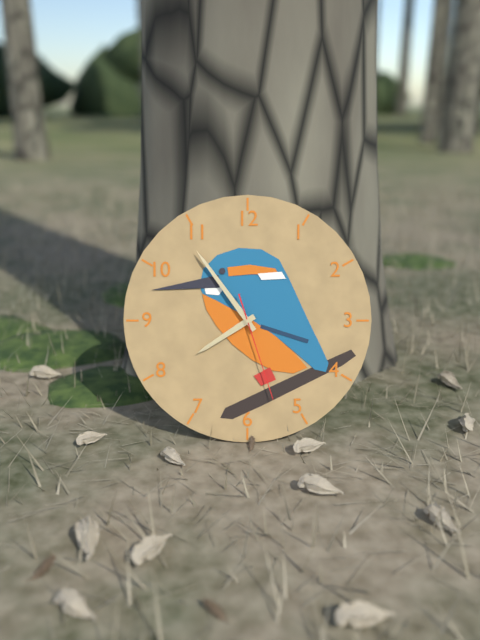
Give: 7:54:27
